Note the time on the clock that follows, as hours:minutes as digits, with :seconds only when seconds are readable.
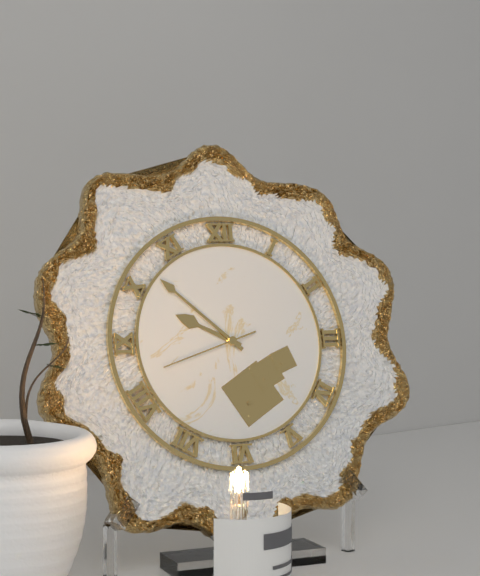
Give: 9:52:42
